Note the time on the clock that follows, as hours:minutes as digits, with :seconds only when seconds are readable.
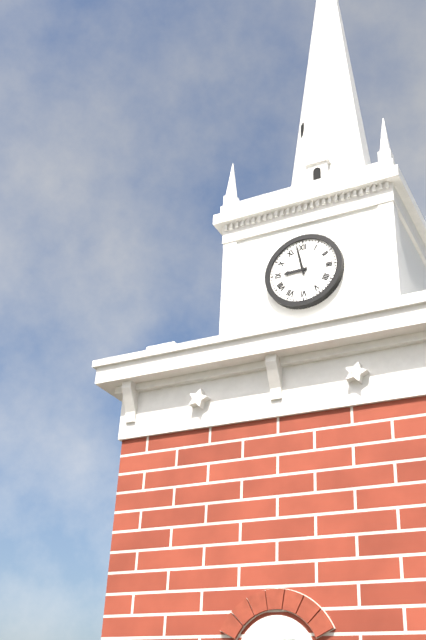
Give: 8:58
